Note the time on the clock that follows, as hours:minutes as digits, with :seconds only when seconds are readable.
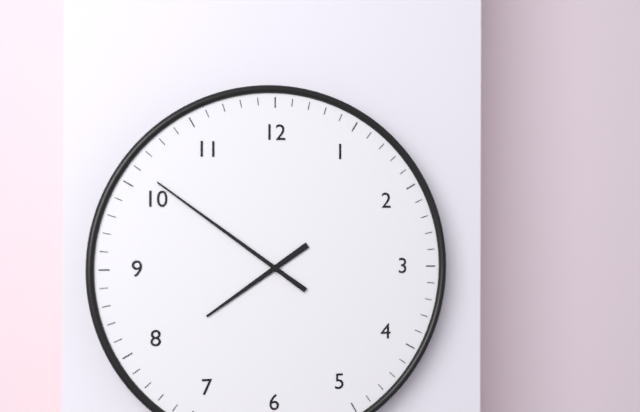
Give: 7:51
